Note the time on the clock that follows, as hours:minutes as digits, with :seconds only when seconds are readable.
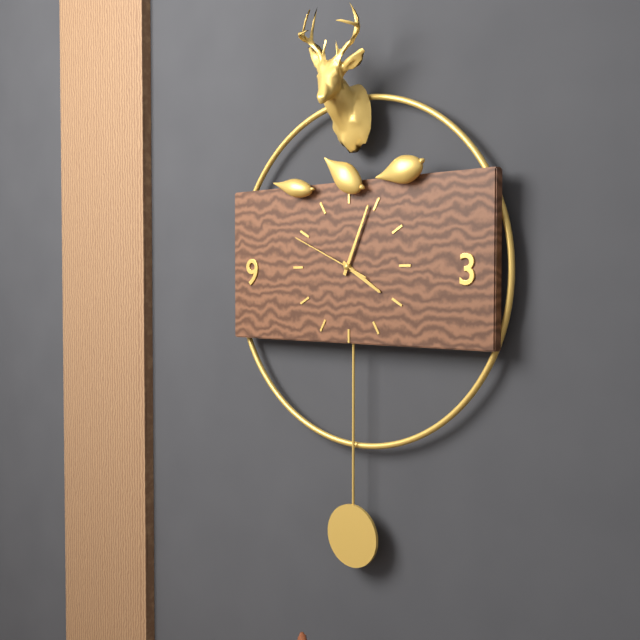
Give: 4:04:49
